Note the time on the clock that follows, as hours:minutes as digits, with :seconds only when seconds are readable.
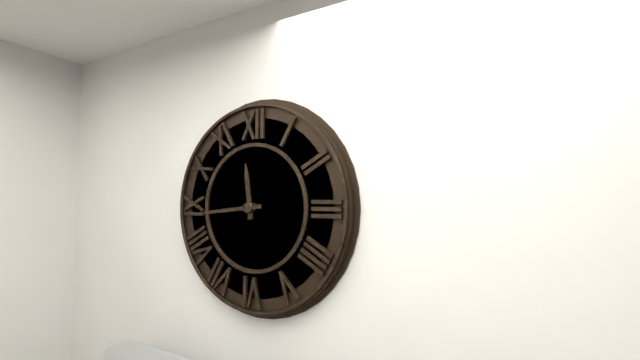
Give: 11:44
